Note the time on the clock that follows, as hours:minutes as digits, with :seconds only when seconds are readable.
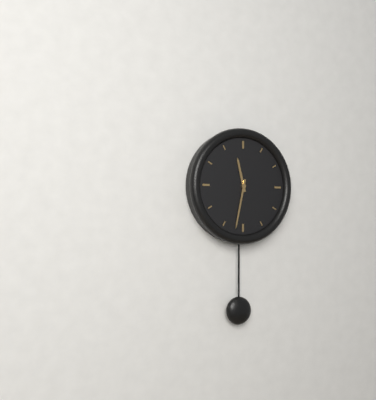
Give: 11:32
